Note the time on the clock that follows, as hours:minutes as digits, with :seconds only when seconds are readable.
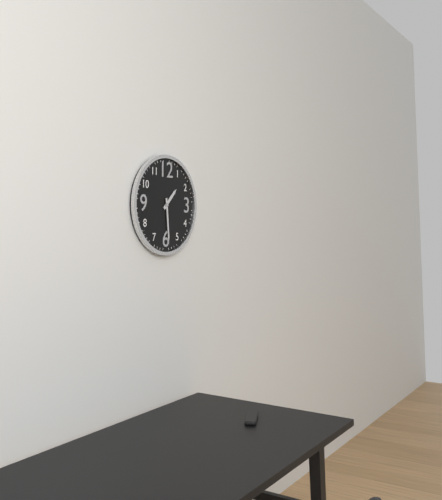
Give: 1:29
